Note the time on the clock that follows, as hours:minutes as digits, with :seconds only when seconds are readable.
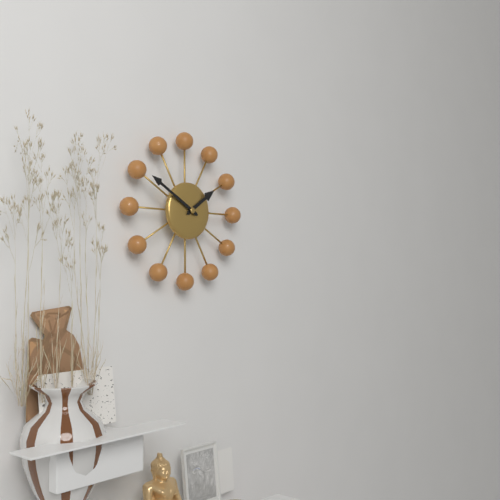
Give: 1:50
